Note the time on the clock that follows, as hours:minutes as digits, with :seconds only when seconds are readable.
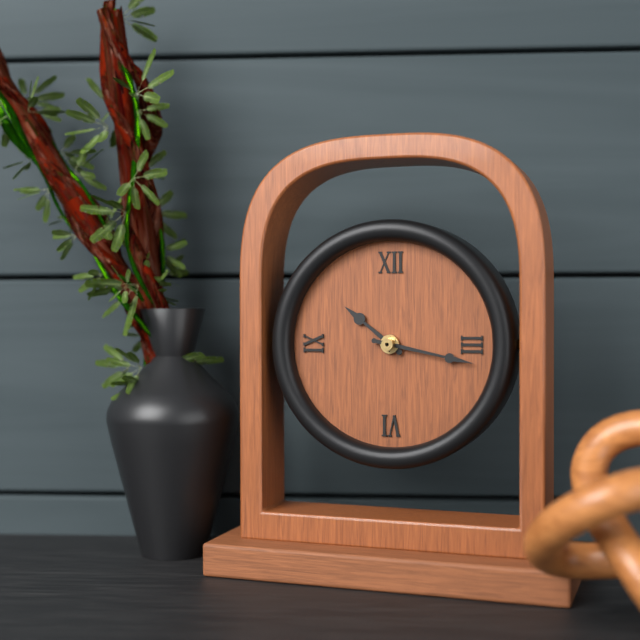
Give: 10:17
